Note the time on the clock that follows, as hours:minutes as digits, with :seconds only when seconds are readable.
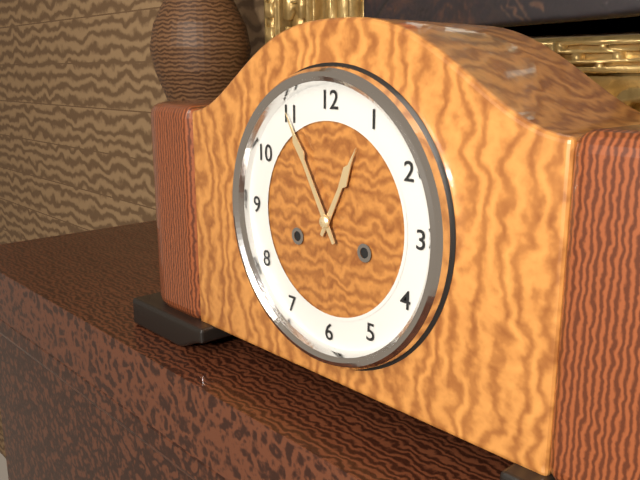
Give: 12:55
